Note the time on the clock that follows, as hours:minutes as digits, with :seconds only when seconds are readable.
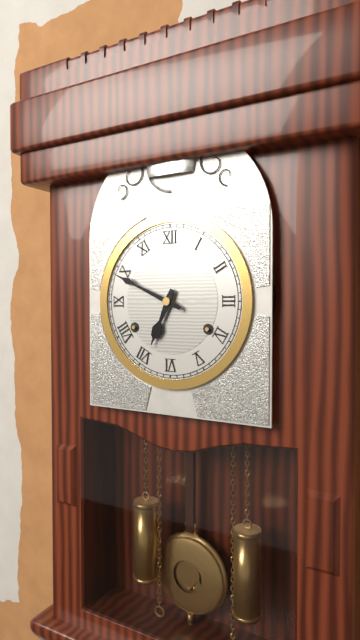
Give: 6:49
